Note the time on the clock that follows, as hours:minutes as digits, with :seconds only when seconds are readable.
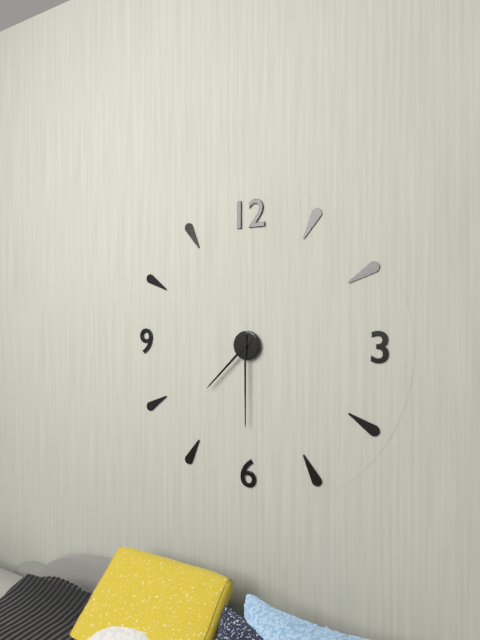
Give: 7:30
